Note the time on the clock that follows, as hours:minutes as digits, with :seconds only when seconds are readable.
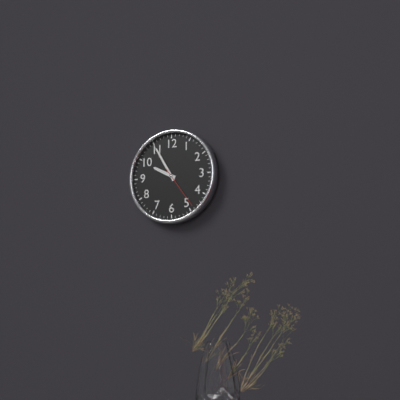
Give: 9:55
